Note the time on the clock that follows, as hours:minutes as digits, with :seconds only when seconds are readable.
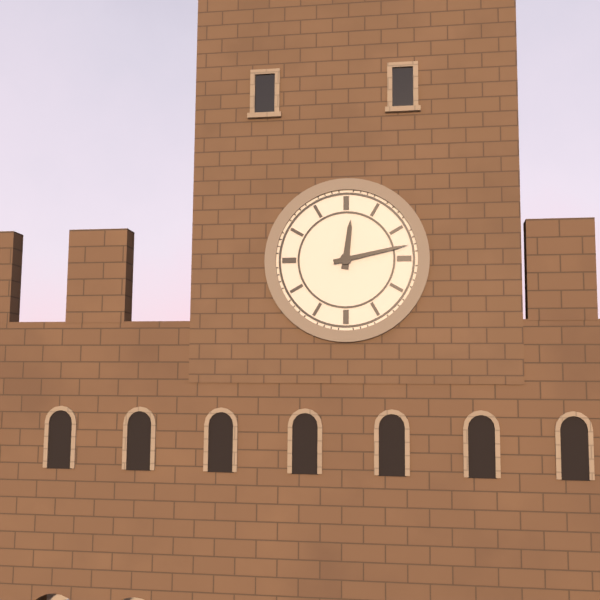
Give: 12:13
